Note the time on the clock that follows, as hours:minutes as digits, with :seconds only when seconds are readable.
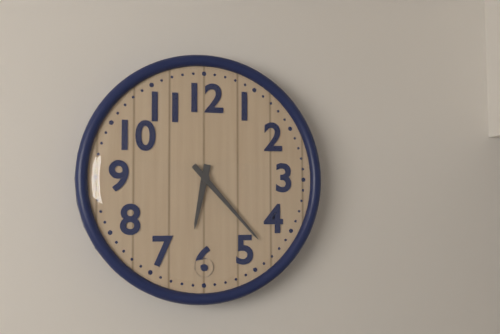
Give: 6:23
